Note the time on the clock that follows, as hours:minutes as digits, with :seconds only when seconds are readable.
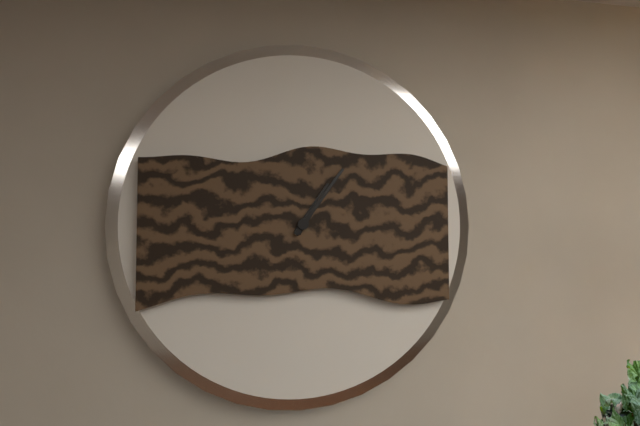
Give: 1:06
